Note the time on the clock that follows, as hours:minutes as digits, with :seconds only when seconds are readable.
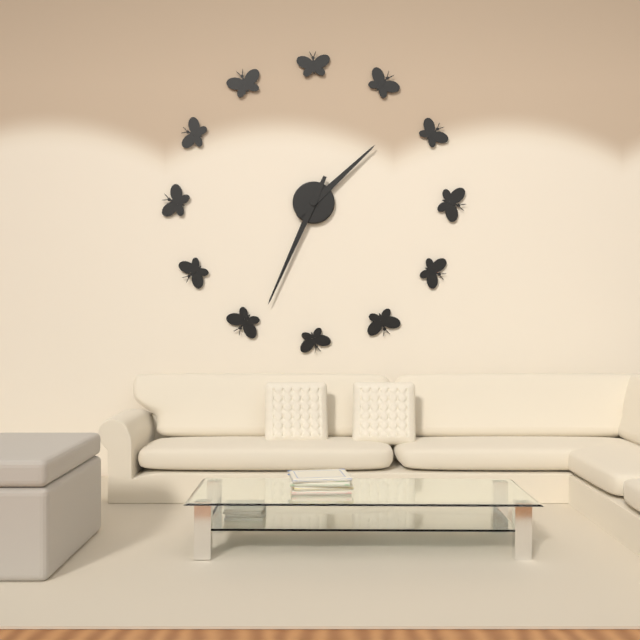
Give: 1:34
